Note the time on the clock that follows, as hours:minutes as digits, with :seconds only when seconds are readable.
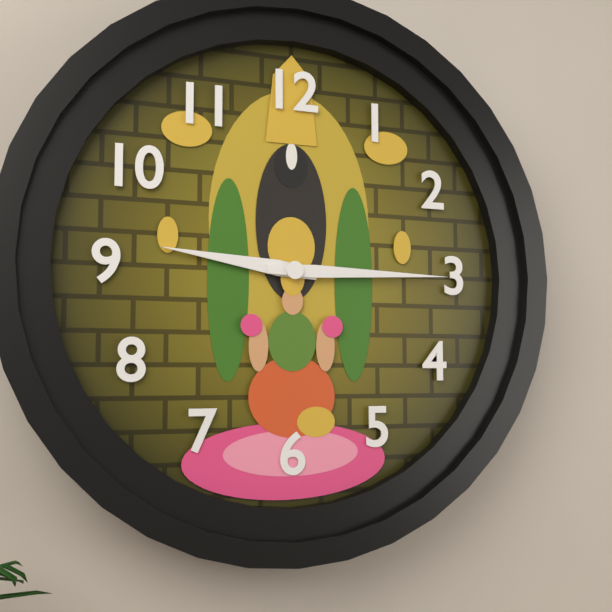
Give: 9:15
